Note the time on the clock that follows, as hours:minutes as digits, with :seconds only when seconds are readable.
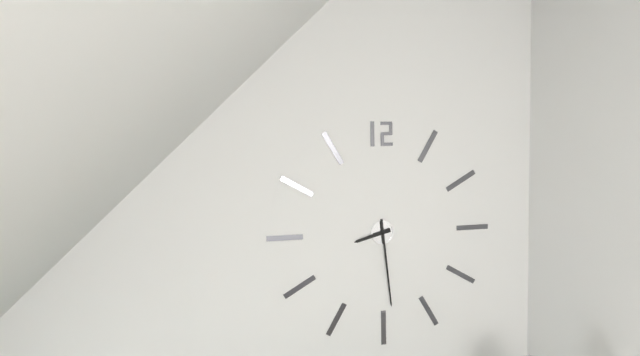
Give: 8:29
